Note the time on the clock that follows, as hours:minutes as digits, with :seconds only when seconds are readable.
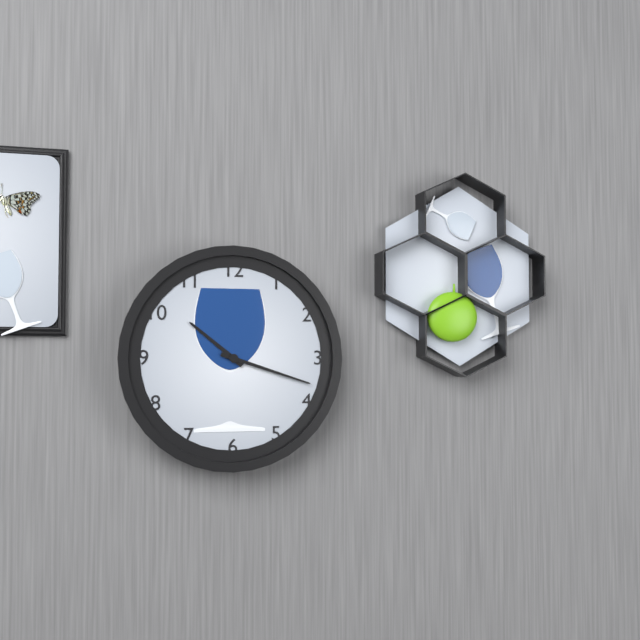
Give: 10:18
